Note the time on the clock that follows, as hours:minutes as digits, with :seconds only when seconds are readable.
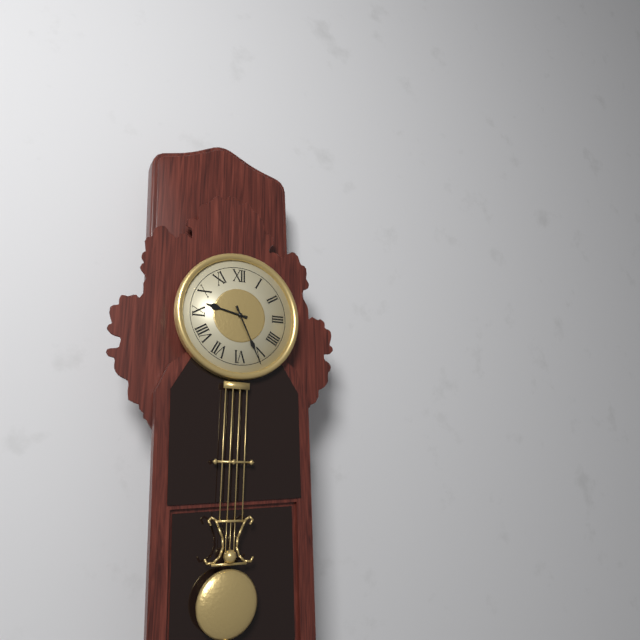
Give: 9:26
